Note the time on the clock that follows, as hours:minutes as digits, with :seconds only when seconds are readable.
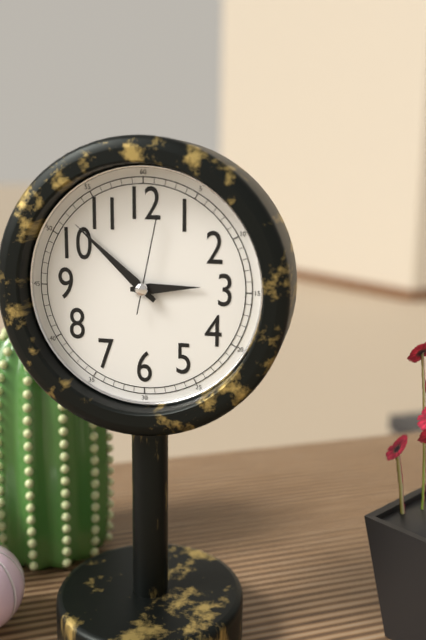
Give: 2:52:02
